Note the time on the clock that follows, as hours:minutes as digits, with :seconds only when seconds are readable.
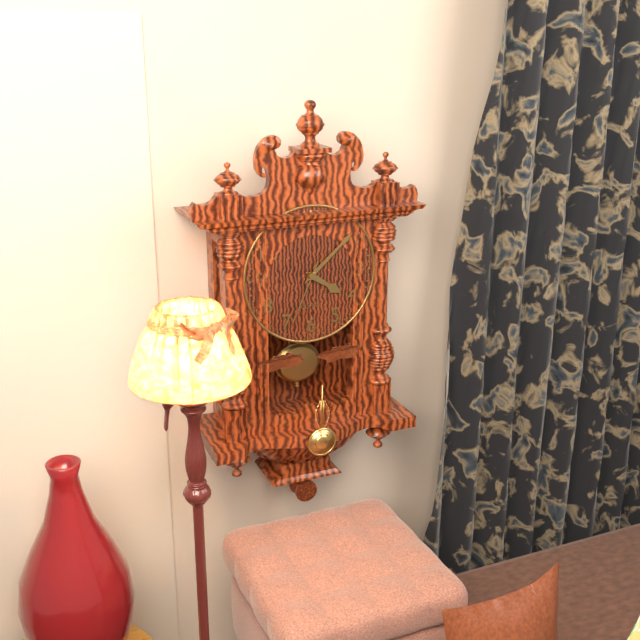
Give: 4:08:34
